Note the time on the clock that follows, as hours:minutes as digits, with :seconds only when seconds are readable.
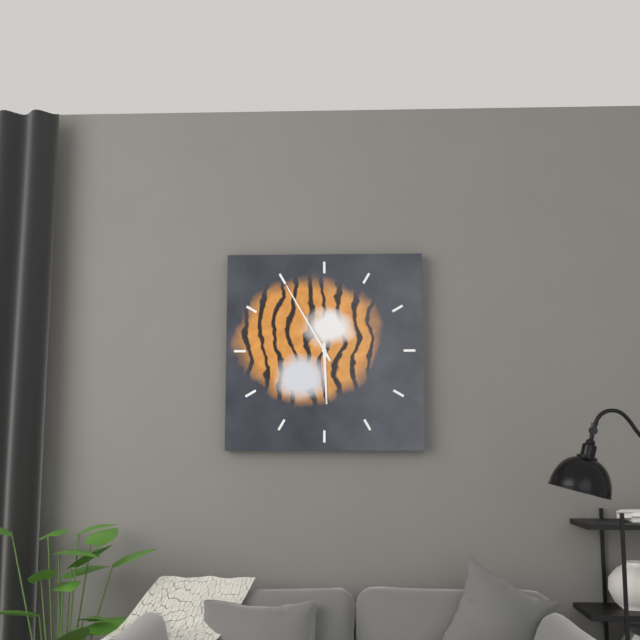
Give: 5:55
